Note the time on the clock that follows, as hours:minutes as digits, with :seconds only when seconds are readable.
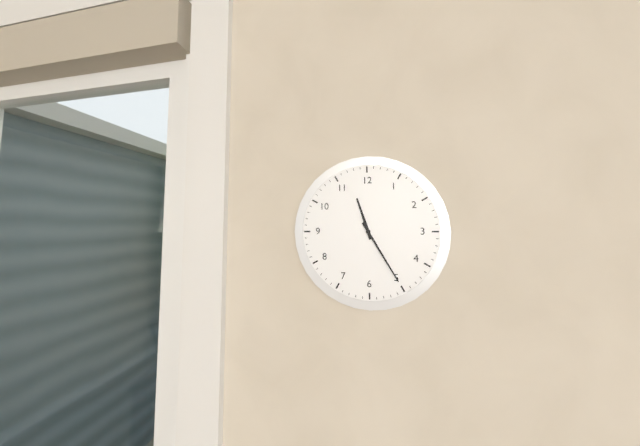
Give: 11:25
